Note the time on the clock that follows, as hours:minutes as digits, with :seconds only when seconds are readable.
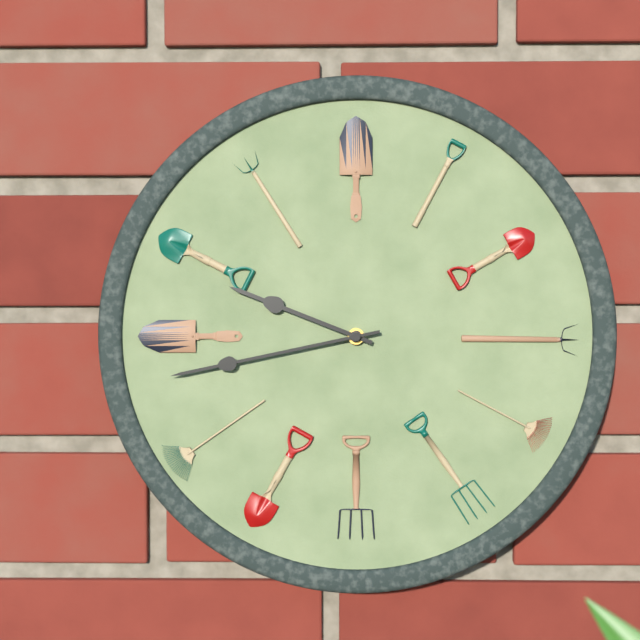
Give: 9:43
